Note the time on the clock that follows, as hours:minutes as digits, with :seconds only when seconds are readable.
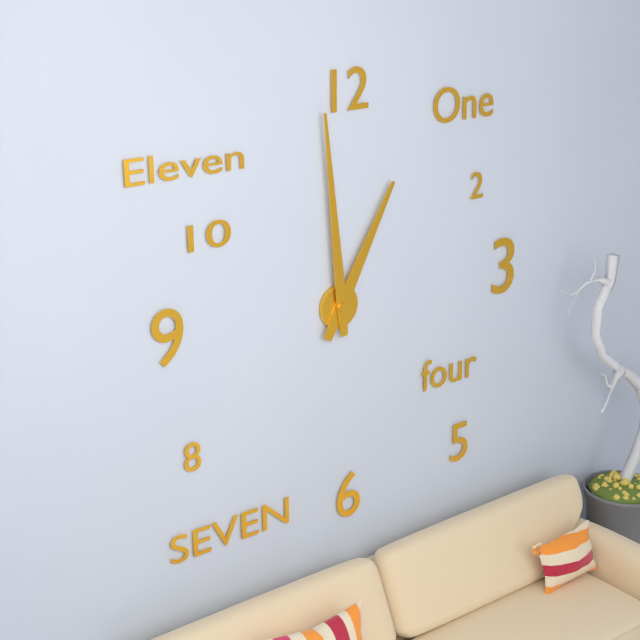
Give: 12:59
